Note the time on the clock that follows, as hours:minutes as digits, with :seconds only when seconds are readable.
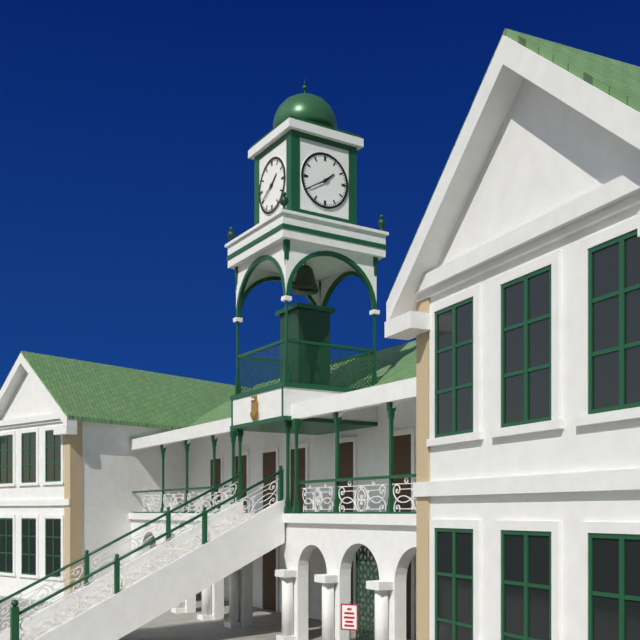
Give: 1:40
